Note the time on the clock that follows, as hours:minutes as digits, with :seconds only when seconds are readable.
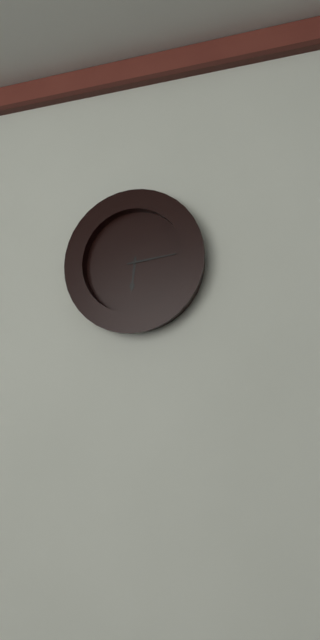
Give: 6:14
